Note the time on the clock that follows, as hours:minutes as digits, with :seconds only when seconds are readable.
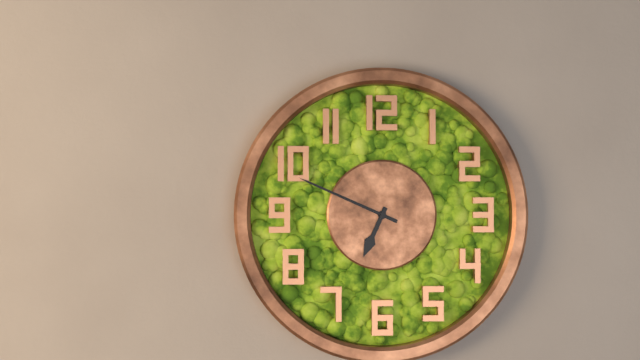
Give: 6:49
